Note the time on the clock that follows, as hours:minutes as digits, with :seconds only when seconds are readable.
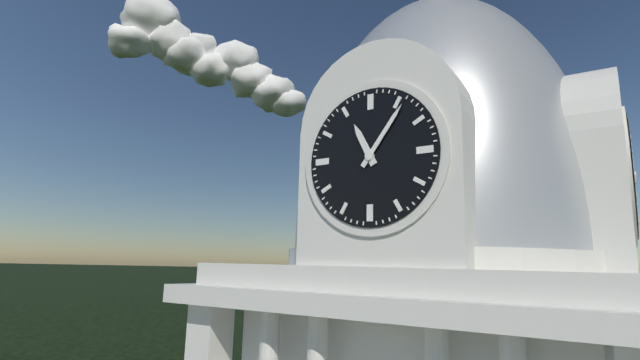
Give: 11:06
